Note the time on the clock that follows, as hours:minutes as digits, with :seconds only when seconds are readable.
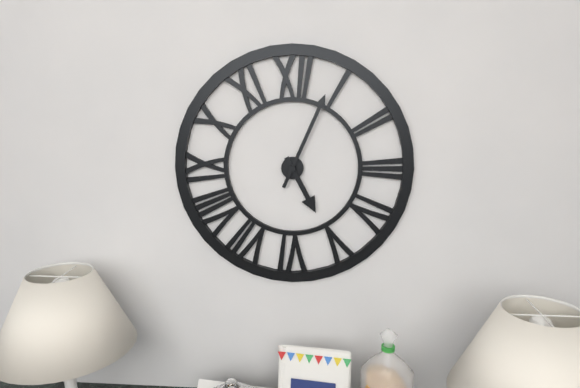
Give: 5:04
